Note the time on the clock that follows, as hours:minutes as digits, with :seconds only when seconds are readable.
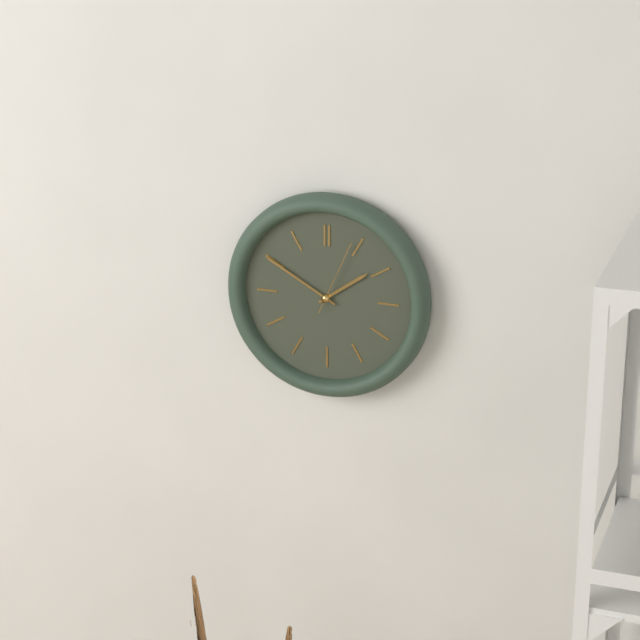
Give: 1:50:04
